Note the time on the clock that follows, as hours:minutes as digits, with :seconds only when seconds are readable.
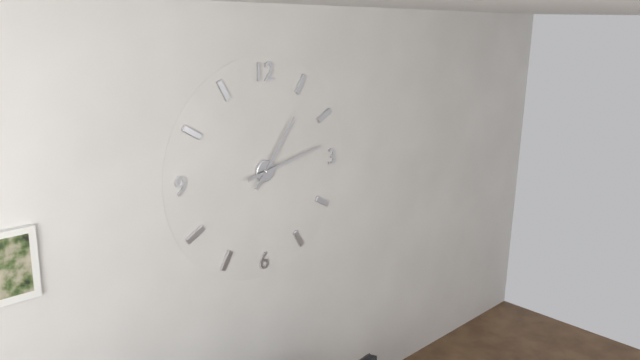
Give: 1:13
